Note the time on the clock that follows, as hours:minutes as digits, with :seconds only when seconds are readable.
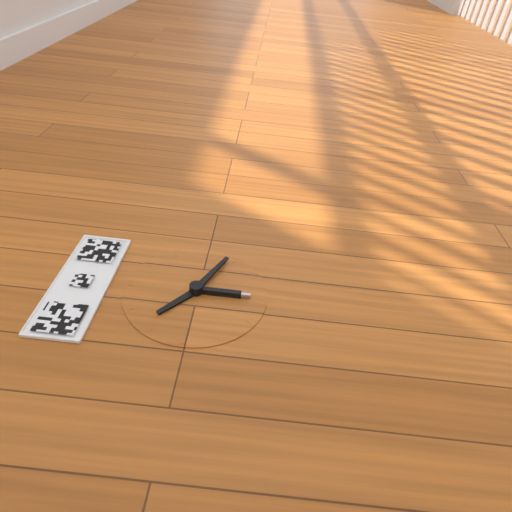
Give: 10:19
